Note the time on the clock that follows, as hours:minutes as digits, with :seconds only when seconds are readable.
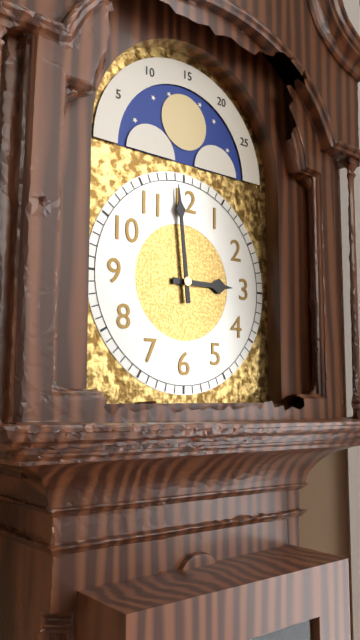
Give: 2:59
